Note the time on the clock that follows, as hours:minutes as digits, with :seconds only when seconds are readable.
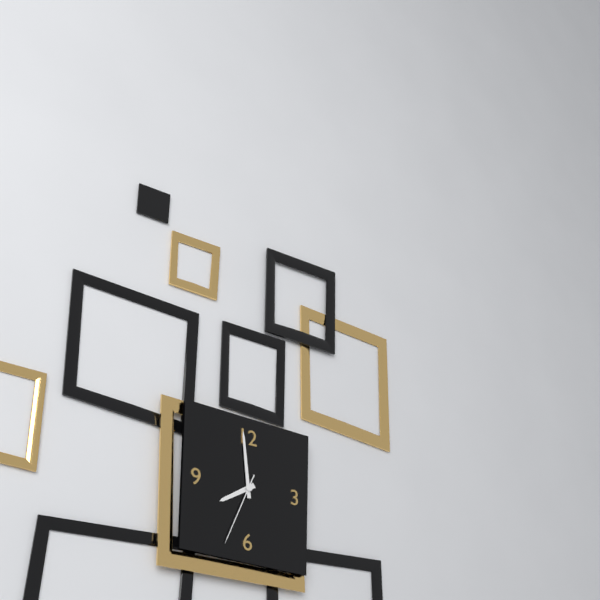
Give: 7:59:34
